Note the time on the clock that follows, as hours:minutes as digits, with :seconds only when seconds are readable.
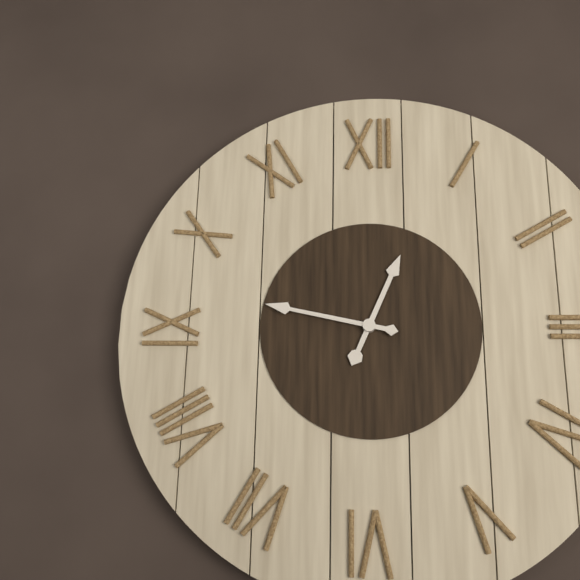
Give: 12:47
